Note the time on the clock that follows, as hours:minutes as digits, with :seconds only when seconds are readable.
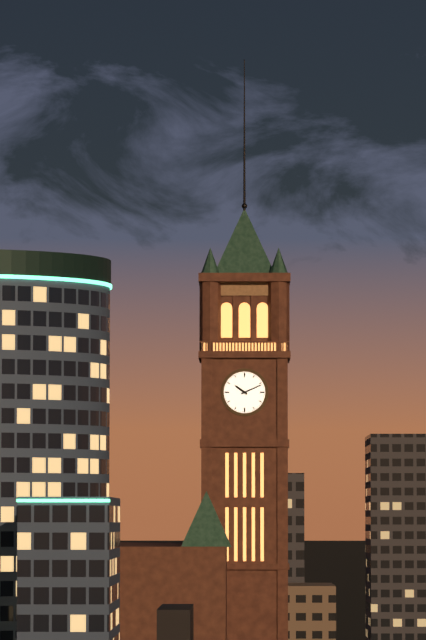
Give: 10:11
